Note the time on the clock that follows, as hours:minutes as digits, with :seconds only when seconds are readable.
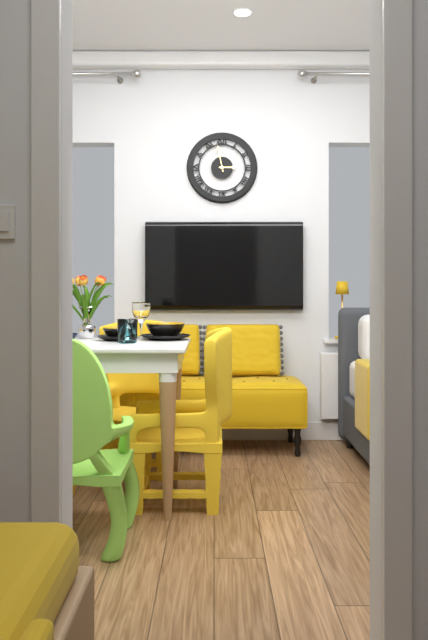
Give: 2:58
